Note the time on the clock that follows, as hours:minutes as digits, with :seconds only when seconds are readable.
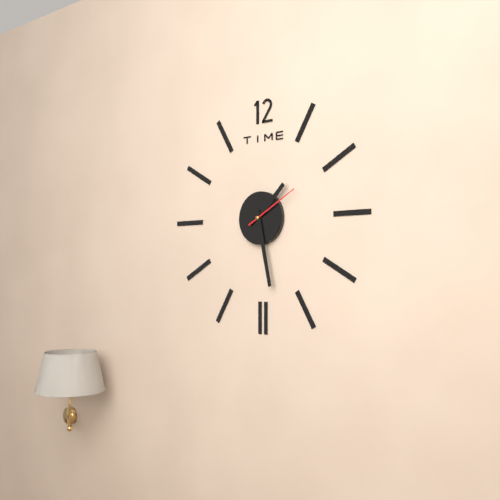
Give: 1:28:10
